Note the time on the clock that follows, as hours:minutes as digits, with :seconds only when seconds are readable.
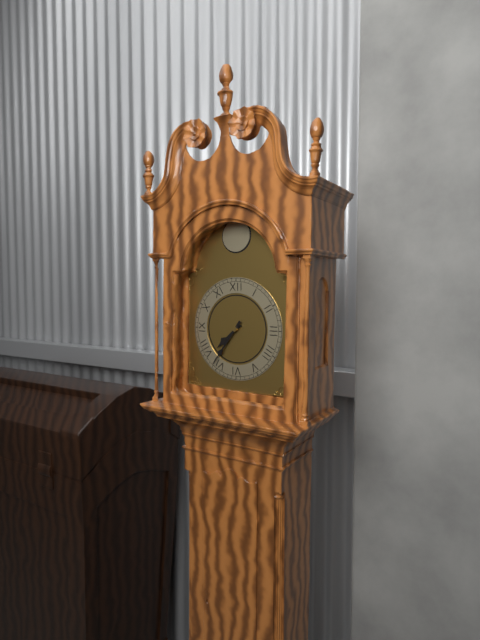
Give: 7:36
